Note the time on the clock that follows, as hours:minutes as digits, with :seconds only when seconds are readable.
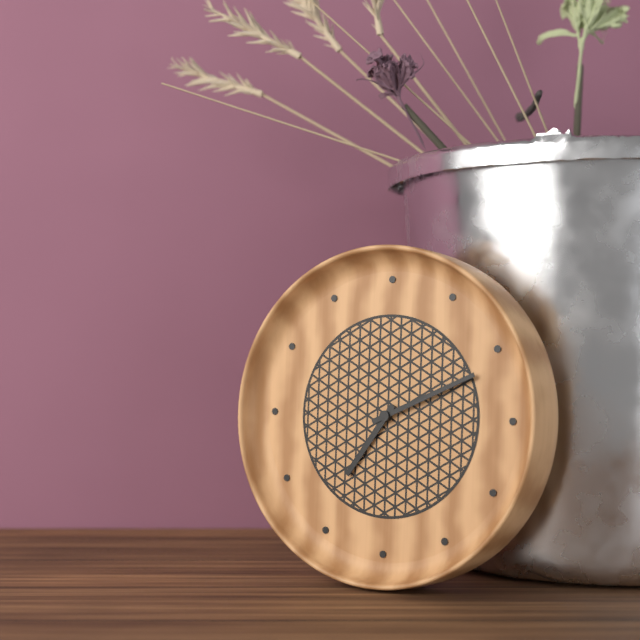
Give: 7:11
